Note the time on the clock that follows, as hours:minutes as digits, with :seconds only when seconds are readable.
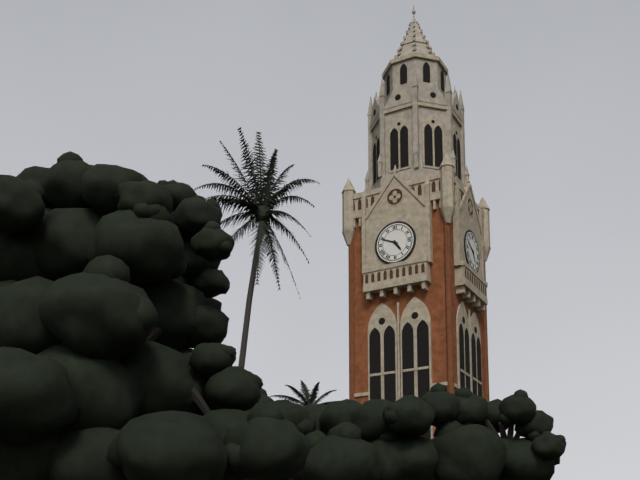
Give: 4:49
